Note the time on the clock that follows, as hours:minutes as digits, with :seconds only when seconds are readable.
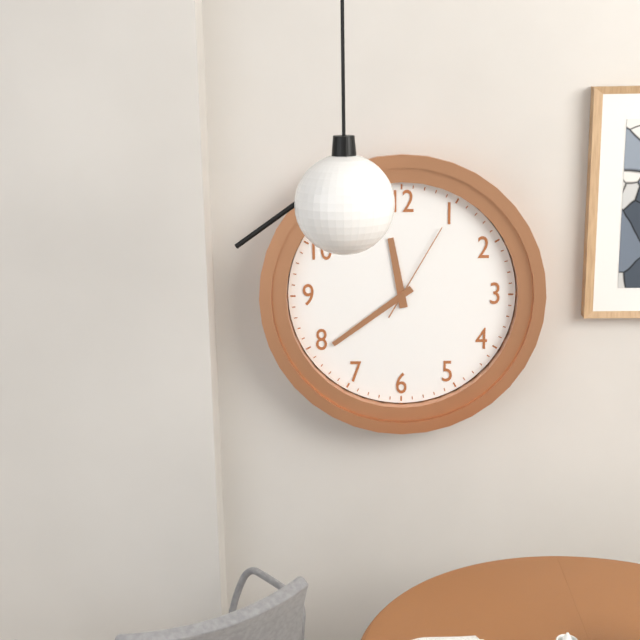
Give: 11:39:05
